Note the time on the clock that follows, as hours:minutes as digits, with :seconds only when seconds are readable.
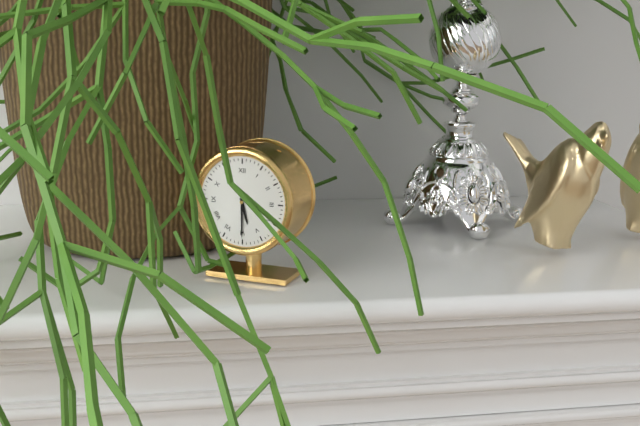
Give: 5:30
